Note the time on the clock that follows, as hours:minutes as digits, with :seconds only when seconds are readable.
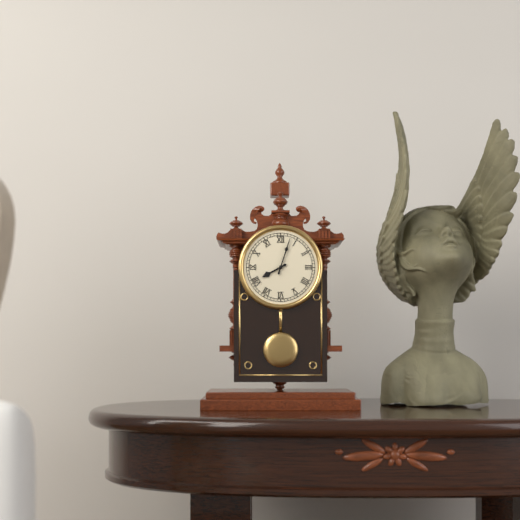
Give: 8:03
